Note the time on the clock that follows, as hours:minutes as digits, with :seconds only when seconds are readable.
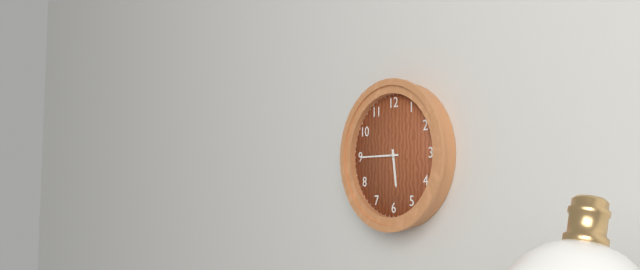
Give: 5:45
